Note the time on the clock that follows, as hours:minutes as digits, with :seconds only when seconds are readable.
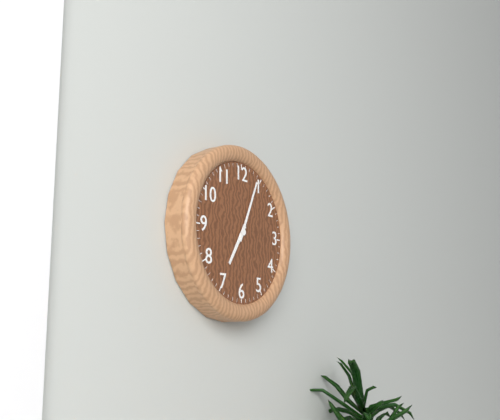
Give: 7:04
